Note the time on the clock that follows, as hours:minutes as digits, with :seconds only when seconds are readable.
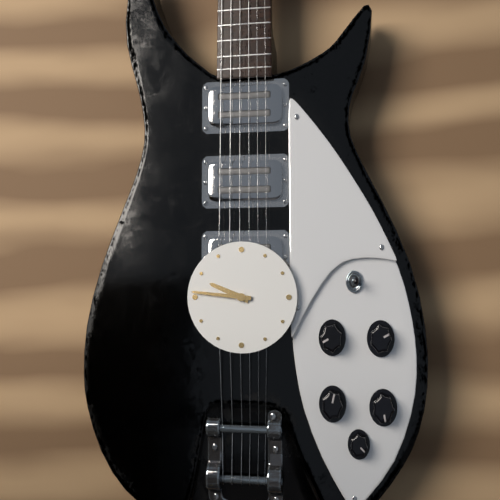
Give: 9:46
